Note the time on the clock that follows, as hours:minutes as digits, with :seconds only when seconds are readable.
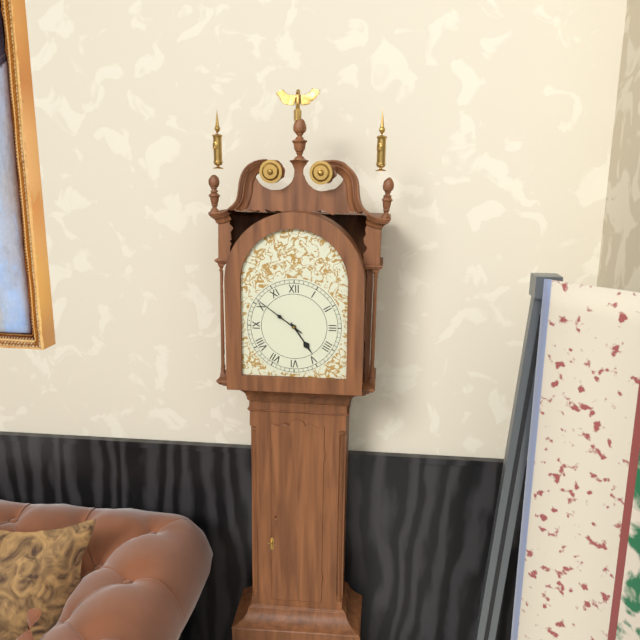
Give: 4:51
